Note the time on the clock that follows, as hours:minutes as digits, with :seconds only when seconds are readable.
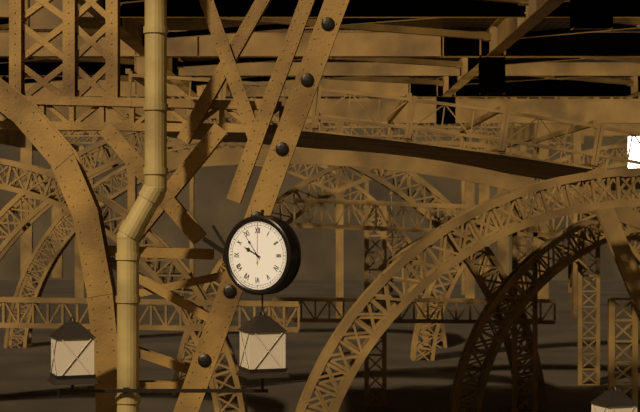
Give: 9:54
